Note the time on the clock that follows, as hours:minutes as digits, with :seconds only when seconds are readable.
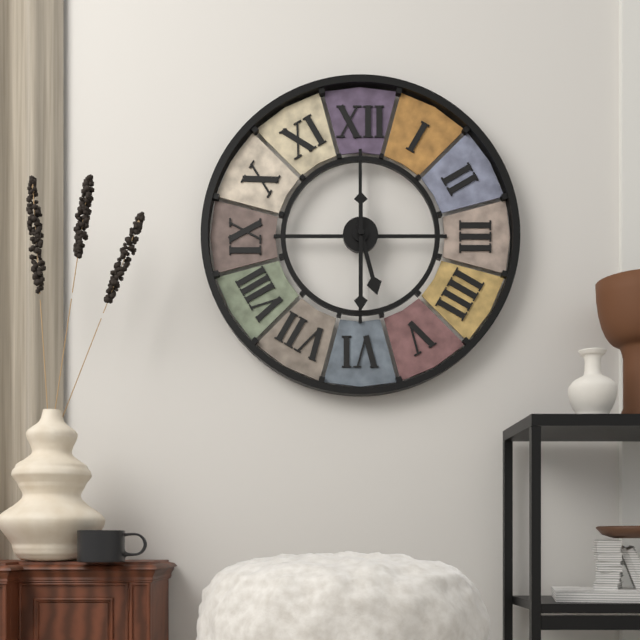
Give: 5:30
